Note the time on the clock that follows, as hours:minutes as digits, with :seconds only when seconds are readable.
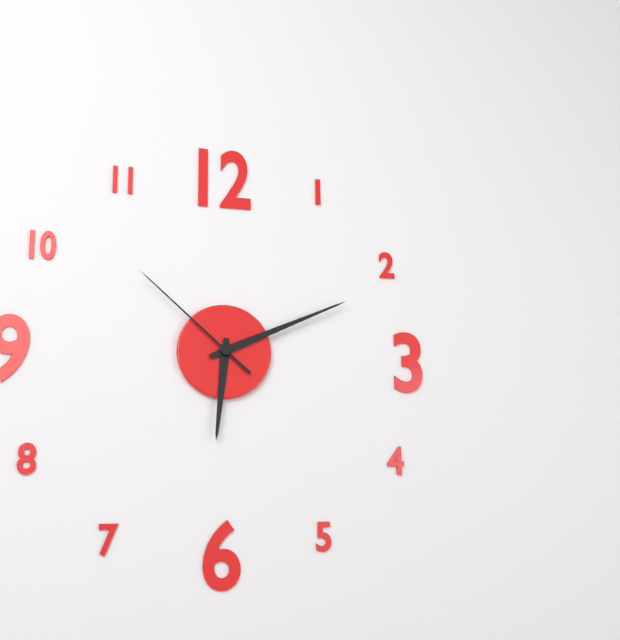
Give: 6:11:52
